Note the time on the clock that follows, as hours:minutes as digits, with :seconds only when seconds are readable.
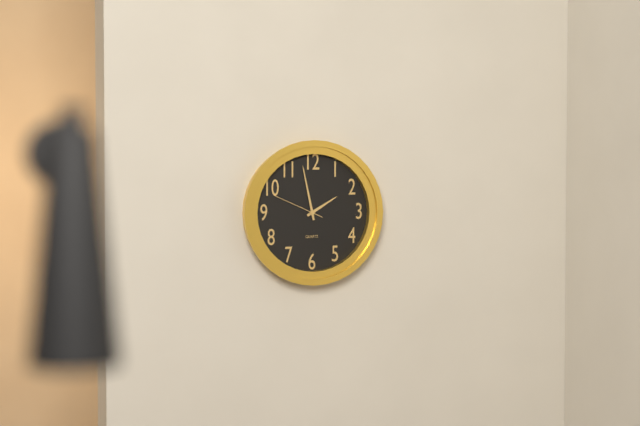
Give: 1:58:49
